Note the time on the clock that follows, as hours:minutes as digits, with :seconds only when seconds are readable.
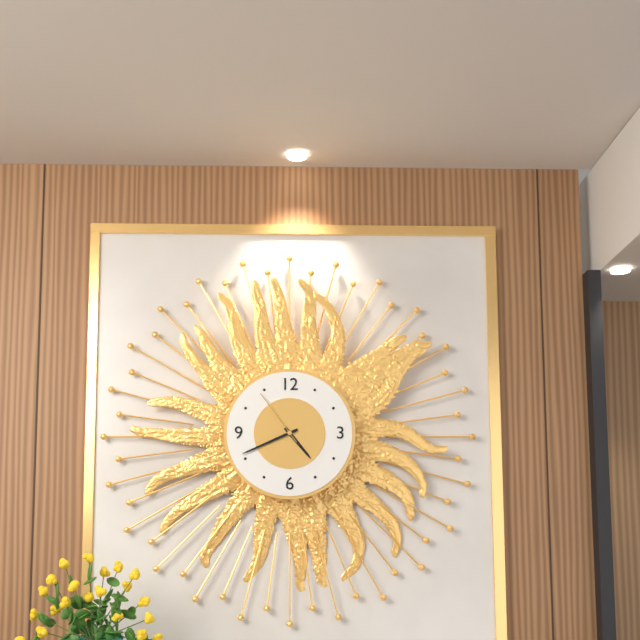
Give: 4:41:54
